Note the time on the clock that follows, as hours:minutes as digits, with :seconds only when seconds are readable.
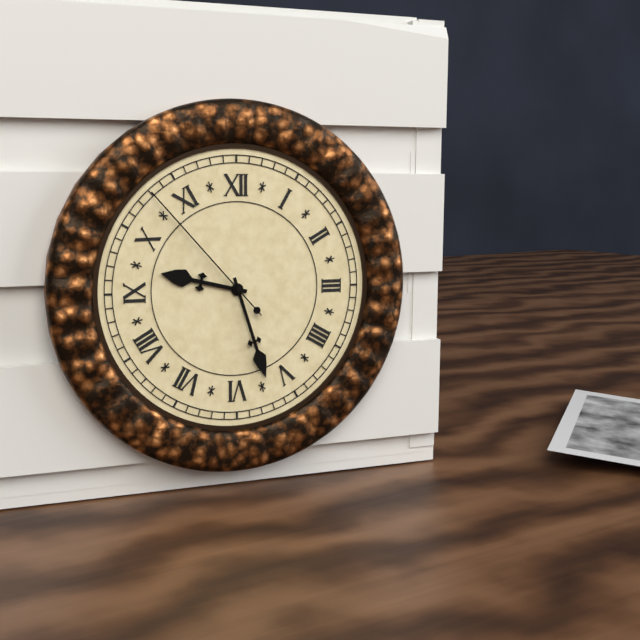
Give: 9:27:53
